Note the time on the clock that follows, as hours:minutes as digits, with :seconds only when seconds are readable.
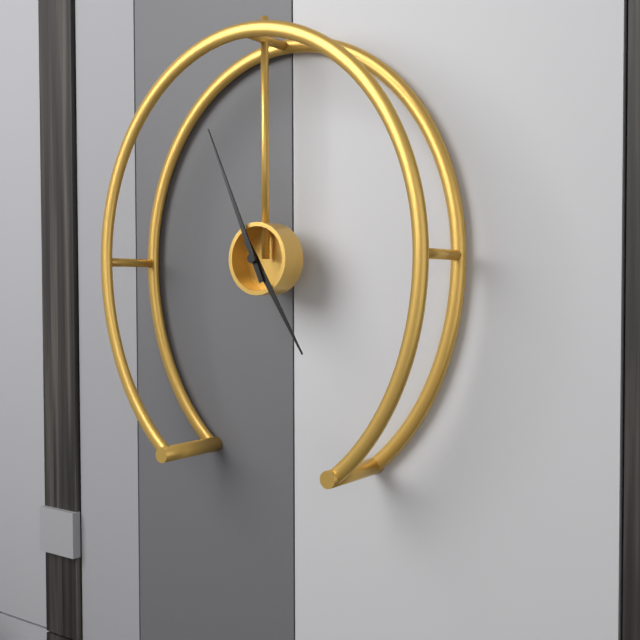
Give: 4:56
